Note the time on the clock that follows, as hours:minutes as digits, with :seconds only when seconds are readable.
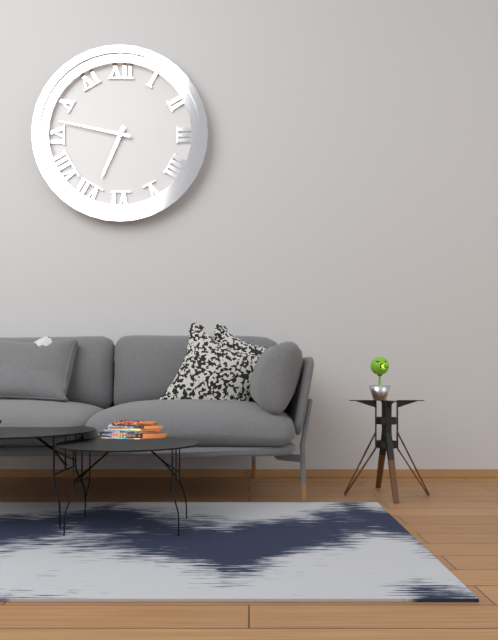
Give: 6:47
